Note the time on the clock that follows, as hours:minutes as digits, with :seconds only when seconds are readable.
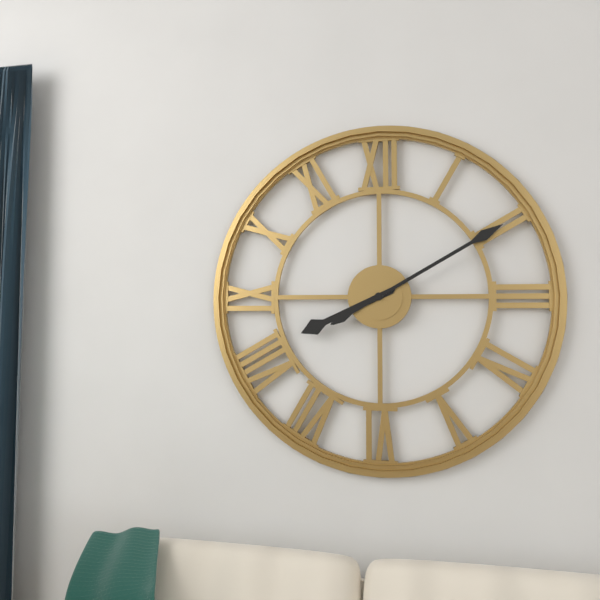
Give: 8:10
